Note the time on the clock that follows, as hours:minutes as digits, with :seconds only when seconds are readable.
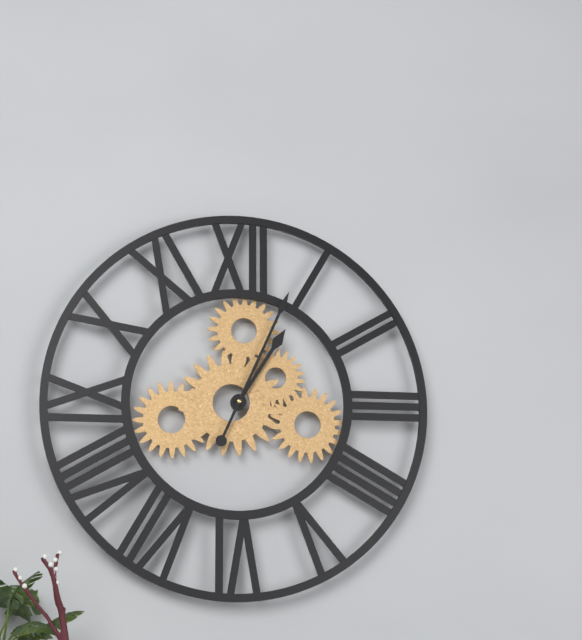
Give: 1:04
